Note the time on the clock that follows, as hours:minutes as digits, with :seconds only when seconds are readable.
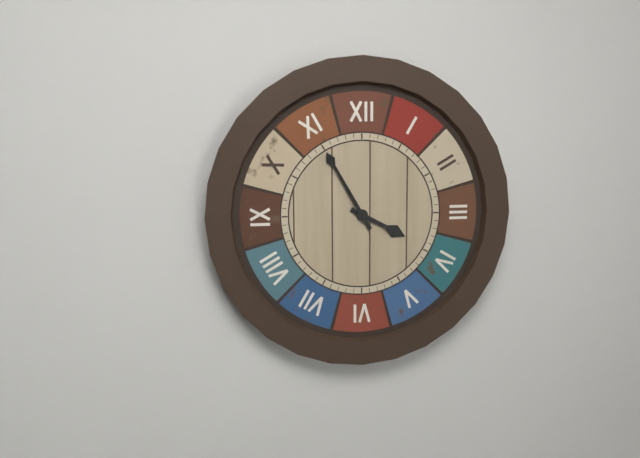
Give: 3:55
